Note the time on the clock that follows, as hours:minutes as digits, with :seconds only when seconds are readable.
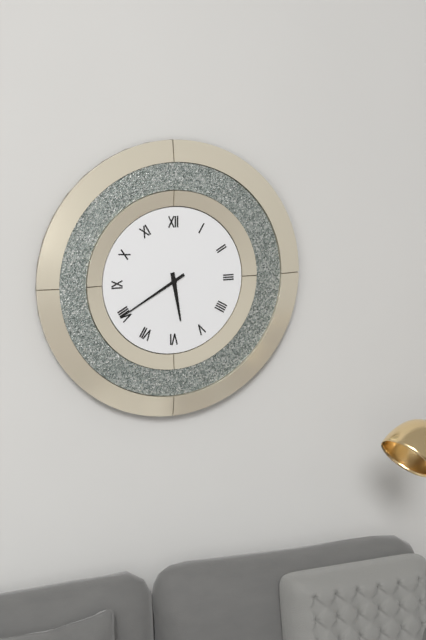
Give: 5:40
